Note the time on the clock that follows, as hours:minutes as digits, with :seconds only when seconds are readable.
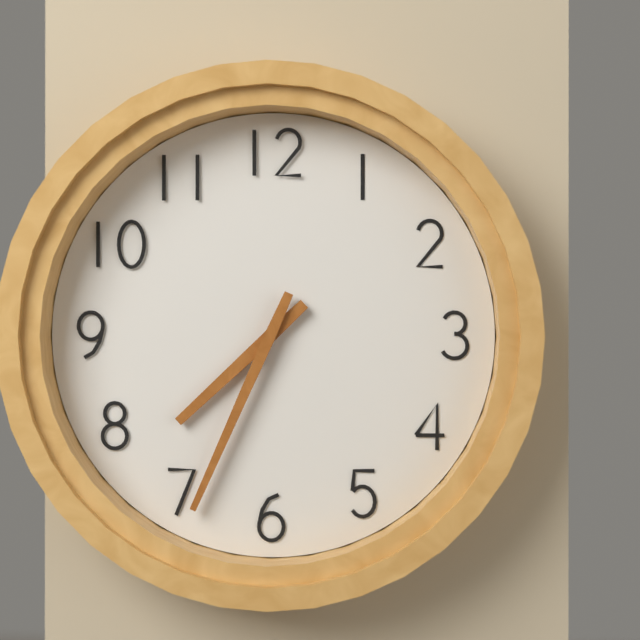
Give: 7:34
